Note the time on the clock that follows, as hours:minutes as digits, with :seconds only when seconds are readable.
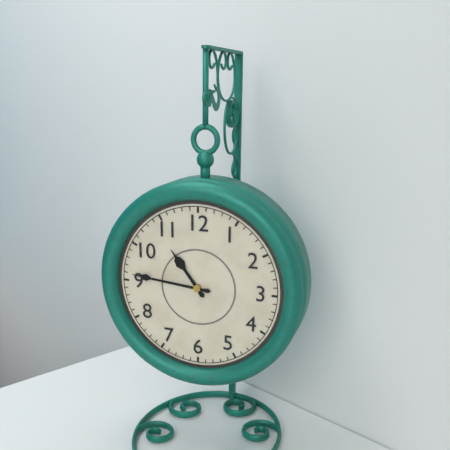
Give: 10:46
